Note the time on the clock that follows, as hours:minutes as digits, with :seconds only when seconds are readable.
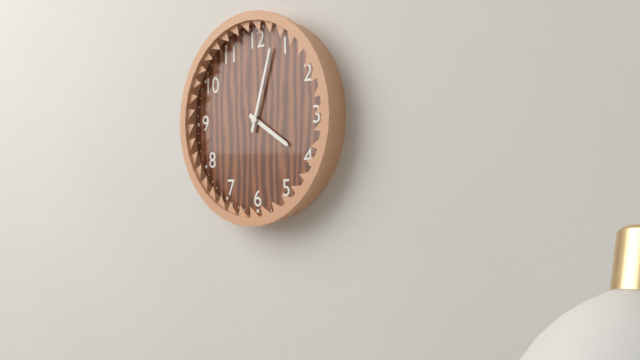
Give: 4:03
